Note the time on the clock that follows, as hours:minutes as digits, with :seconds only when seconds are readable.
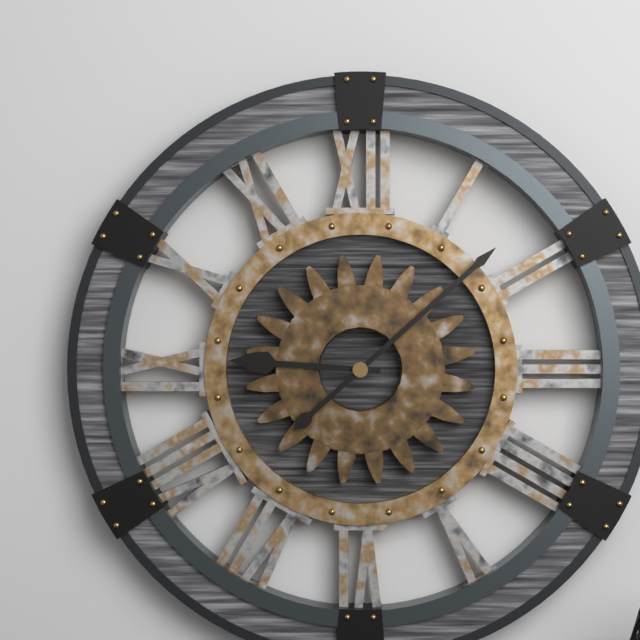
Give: 9:08
